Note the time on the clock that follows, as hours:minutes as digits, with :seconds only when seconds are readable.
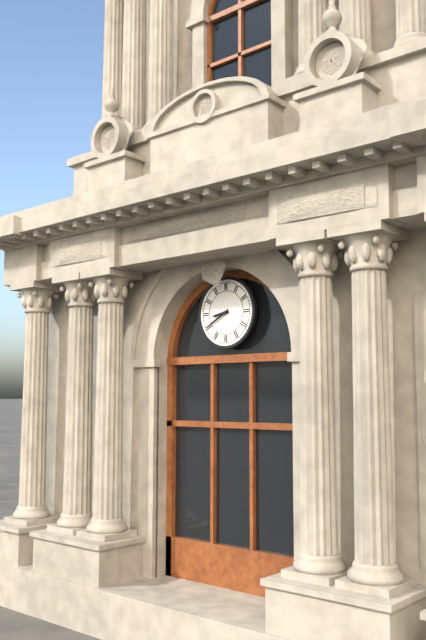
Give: 8:40
